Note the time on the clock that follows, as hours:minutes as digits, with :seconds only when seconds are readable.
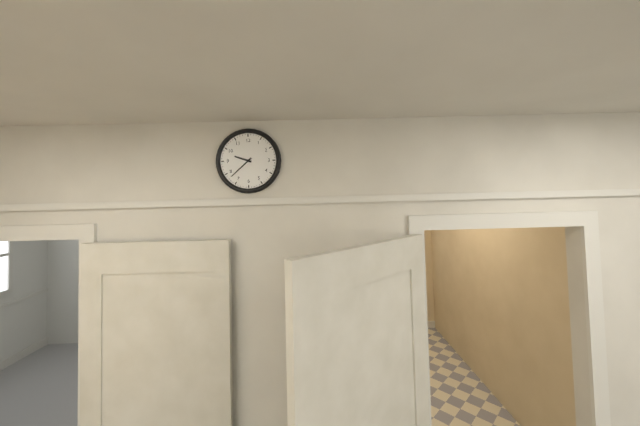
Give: 9:38
